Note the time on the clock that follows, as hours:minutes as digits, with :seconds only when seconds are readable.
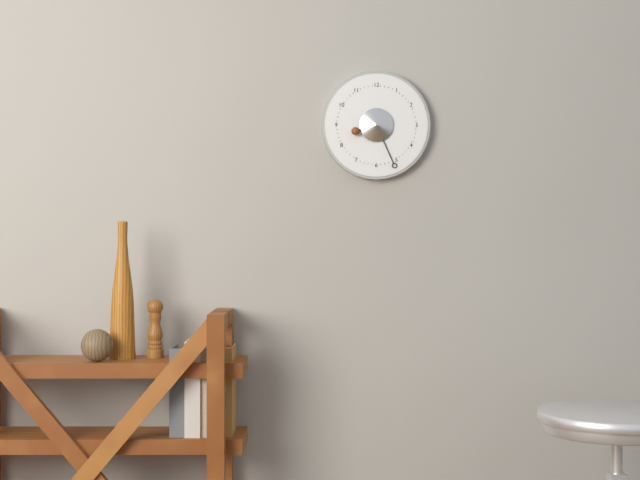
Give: 8:26
